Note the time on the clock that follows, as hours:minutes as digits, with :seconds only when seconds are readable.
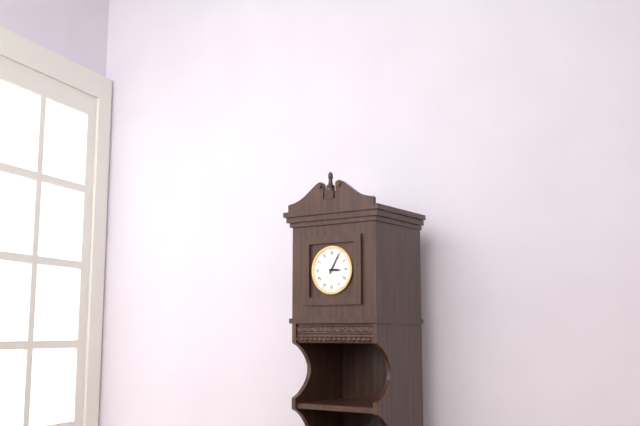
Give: 3:05
